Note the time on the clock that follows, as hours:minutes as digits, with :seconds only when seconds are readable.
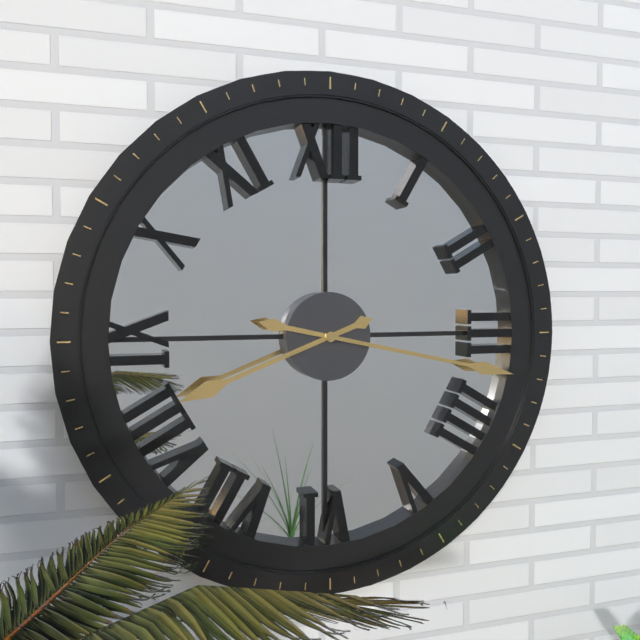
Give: 8:17
